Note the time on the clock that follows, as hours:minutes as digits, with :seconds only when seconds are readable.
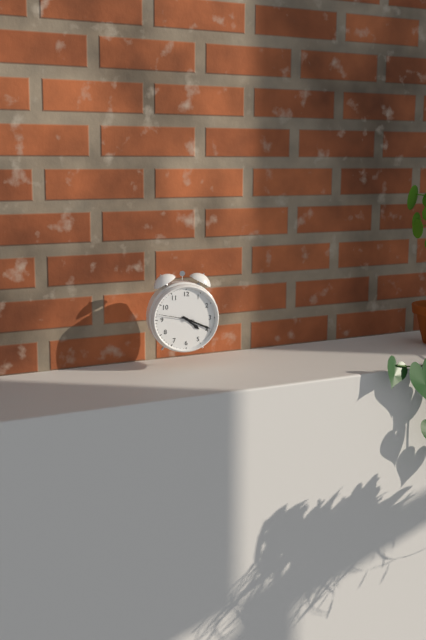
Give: 4:19
